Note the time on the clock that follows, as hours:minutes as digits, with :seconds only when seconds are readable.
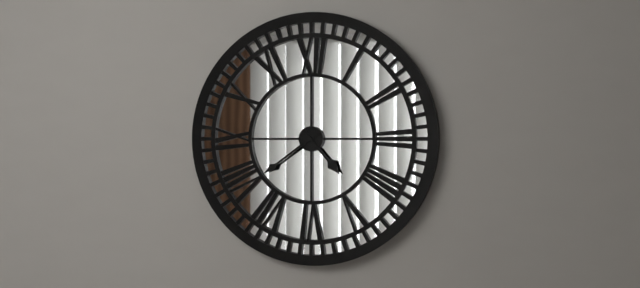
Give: 4:39
